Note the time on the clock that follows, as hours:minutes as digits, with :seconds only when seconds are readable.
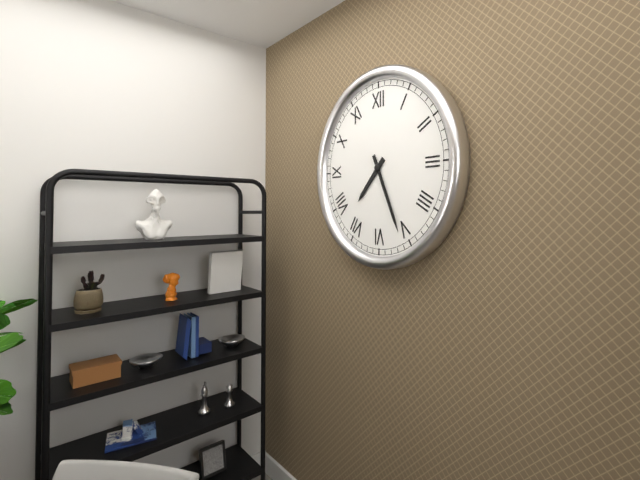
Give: 7:26
